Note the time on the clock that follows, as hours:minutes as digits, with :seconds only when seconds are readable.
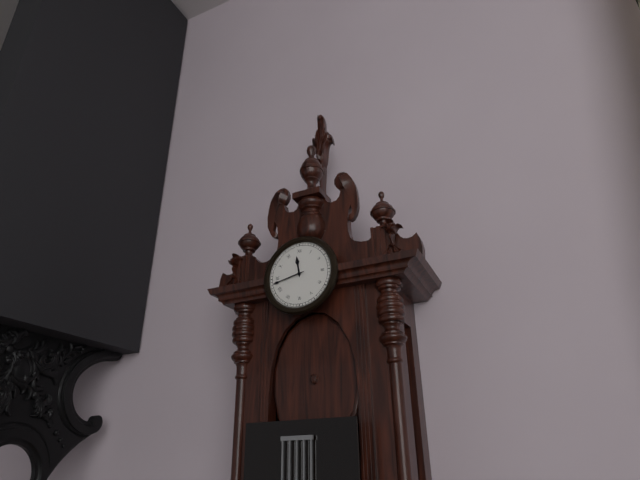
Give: 11:43
